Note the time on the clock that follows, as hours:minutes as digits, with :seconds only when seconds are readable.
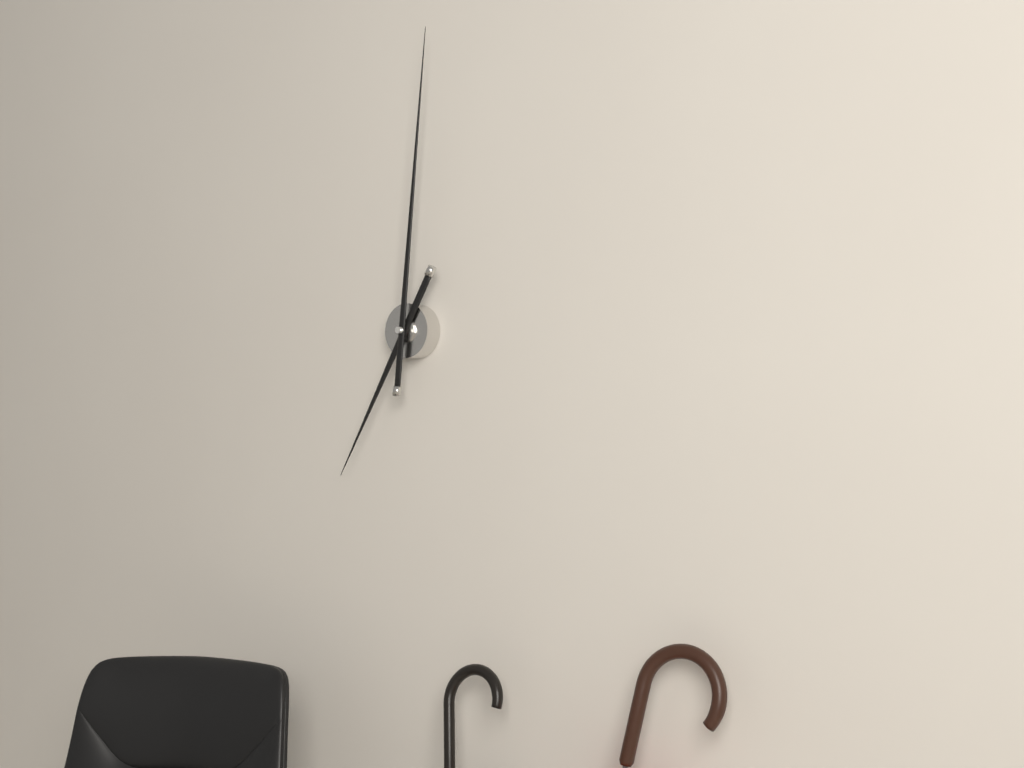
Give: 7:01
